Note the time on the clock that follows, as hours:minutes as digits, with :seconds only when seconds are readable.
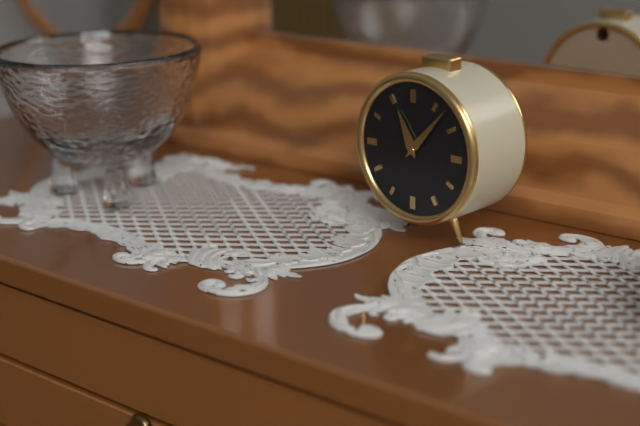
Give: 11:07
